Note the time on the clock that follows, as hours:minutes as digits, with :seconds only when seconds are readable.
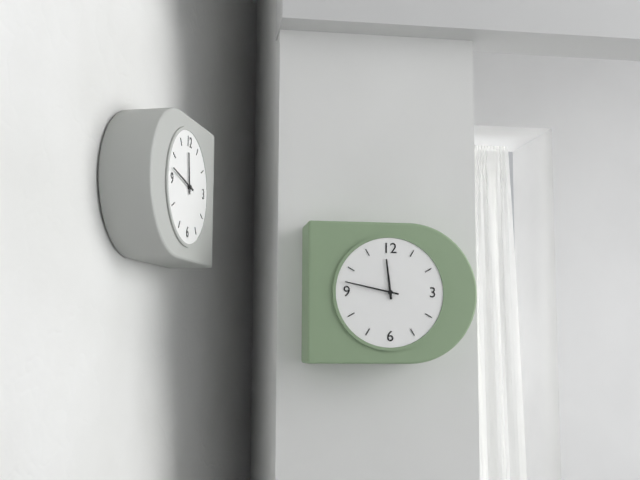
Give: 11:47
